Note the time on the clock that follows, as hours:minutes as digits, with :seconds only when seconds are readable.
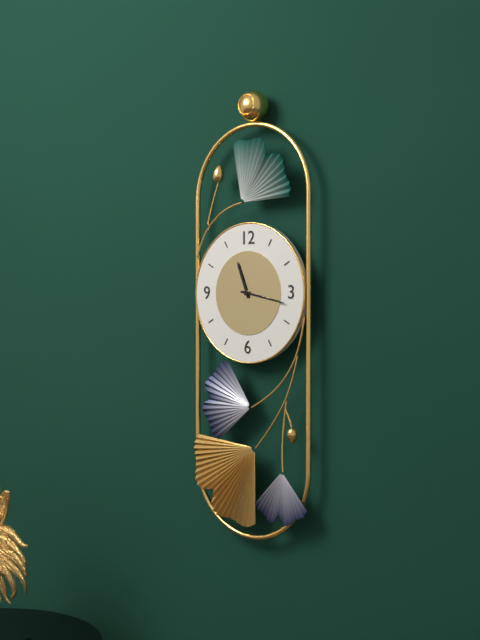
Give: 11:17
